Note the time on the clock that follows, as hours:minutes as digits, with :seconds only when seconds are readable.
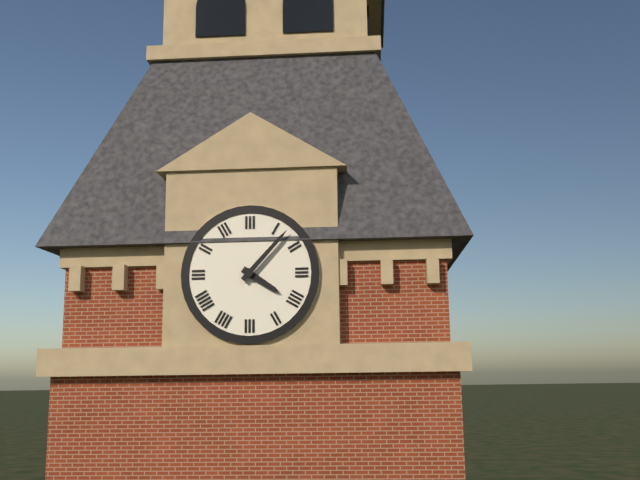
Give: 4:07
